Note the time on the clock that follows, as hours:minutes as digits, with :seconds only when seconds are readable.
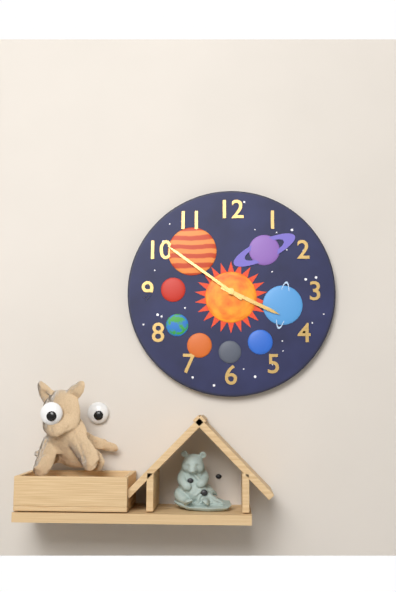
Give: 3:51
